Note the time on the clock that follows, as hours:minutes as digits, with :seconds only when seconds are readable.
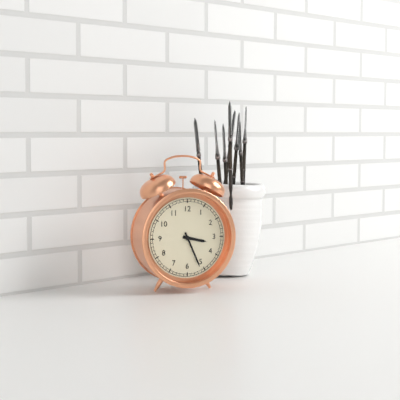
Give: 3:26
